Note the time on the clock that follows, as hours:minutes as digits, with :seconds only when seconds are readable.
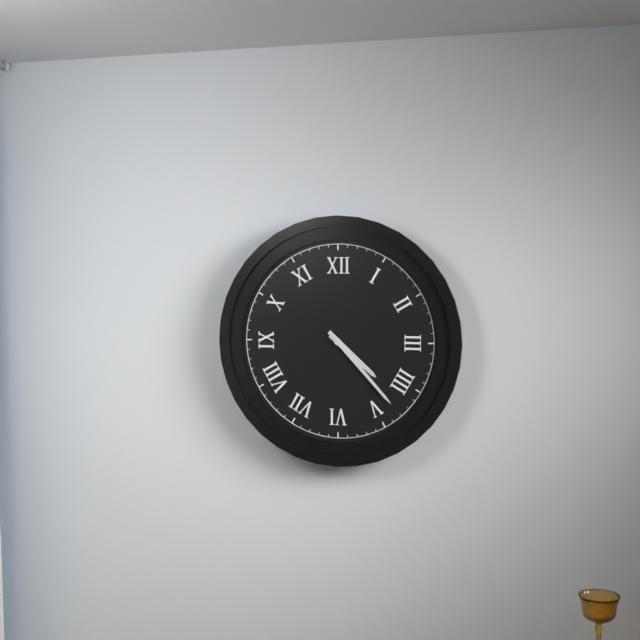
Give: 4:23
